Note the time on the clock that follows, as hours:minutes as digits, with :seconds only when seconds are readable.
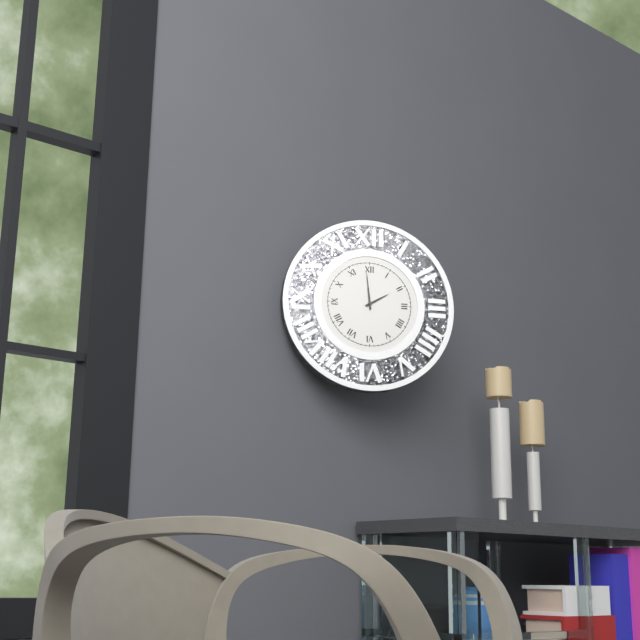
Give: 1:59
